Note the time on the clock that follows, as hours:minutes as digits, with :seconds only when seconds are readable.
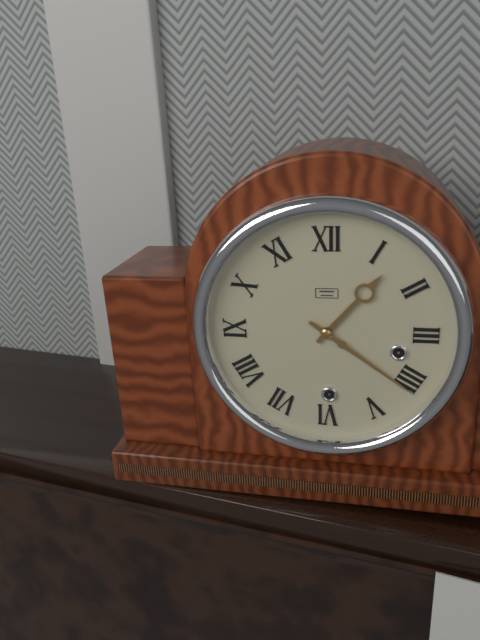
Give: 1:21
